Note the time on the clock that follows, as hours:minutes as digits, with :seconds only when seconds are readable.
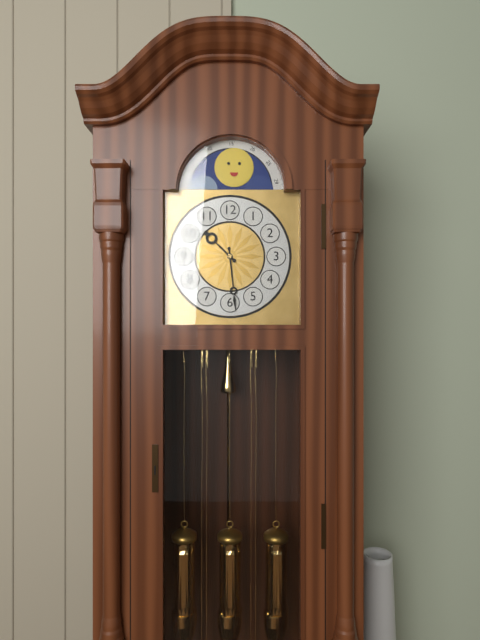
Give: 10:29
